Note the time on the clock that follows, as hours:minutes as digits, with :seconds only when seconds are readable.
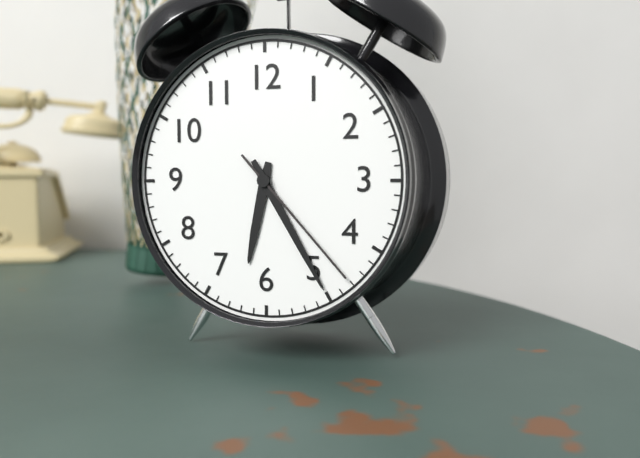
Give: 6:25:23
